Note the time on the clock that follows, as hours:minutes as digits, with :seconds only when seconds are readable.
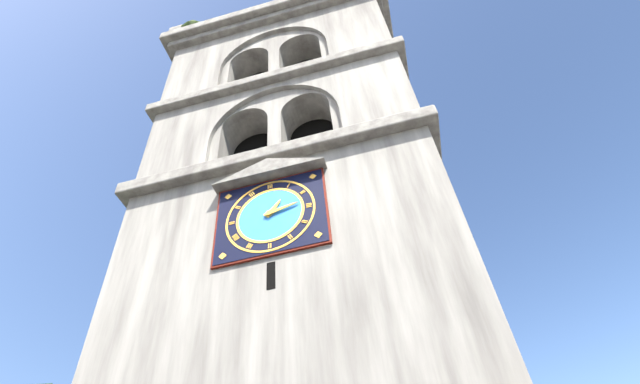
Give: 1:13
